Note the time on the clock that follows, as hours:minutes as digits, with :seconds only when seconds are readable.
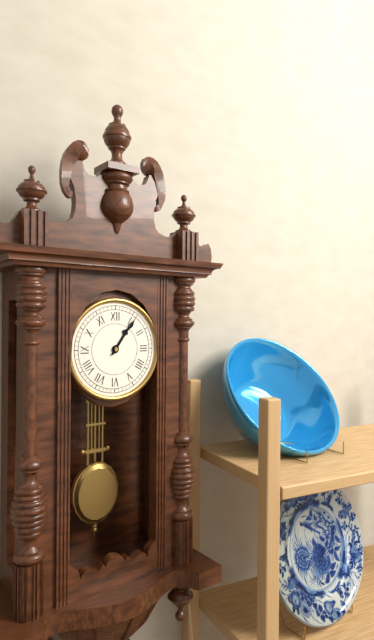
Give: 1:06
